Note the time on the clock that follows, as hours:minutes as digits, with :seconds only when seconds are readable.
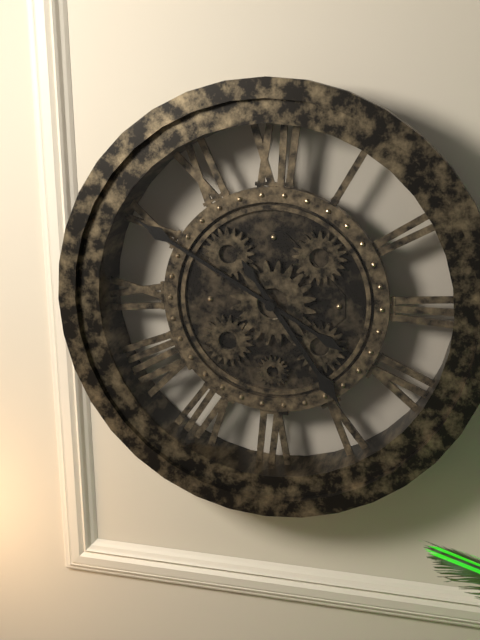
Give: 4:50
